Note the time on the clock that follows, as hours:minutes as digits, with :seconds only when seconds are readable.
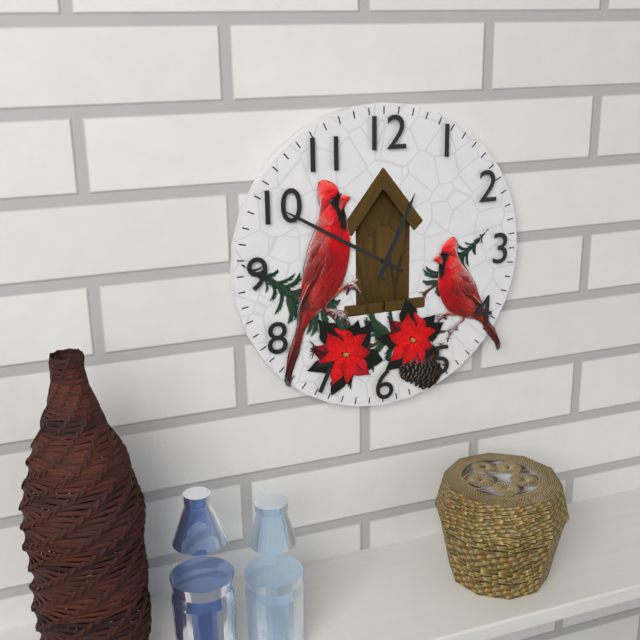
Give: 12:50
